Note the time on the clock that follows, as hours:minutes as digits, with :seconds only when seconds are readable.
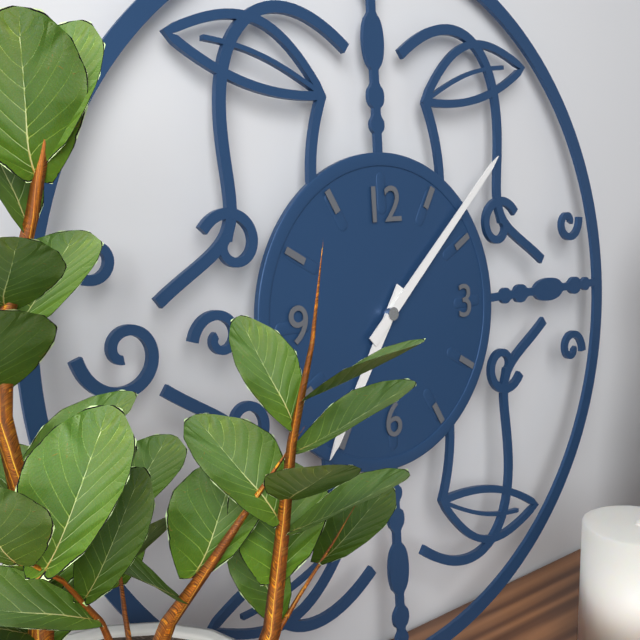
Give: 7:08
